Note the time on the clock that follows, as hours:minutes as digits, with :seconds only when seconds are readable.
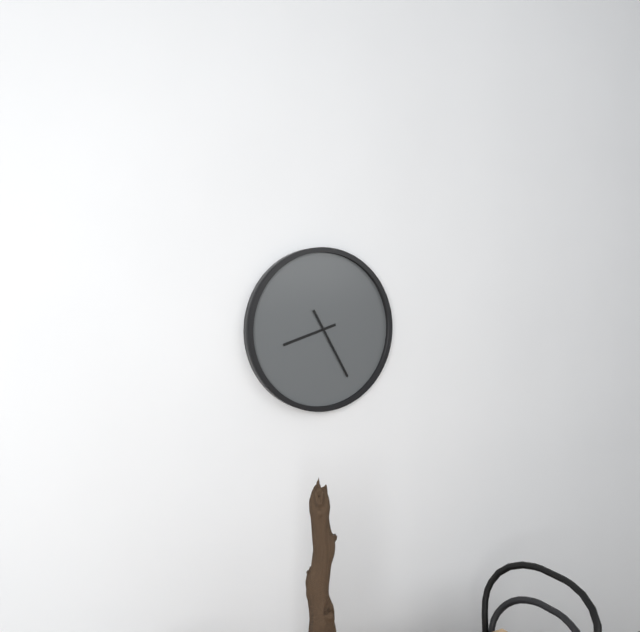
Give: 8:25
